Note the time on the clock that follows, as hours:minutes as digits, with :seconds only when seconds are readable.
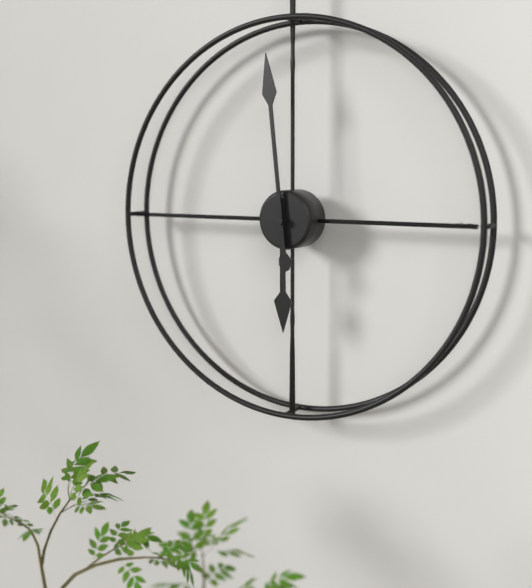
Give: 5:59
